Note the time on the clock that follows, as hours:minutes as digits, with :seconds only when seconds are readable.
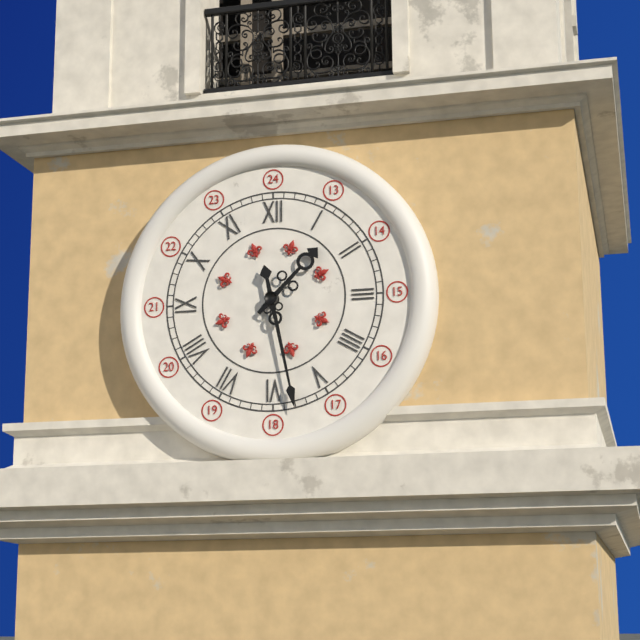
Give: 1:28
